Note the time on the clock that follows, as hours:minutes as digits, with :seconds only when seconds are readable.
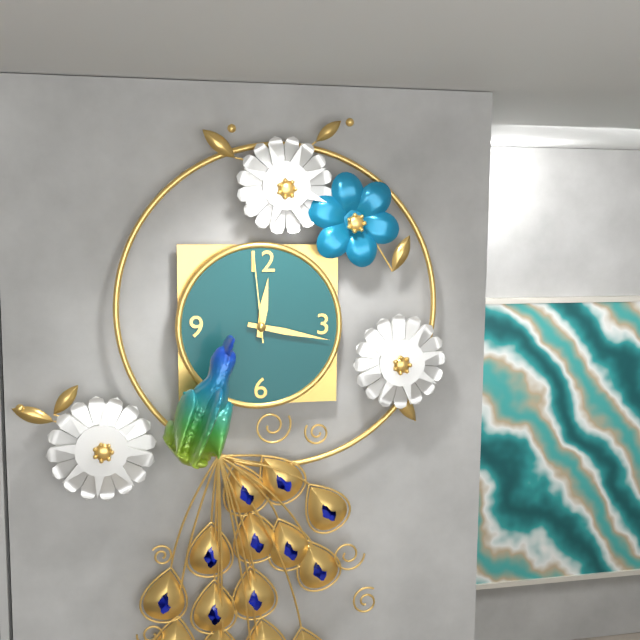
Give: 12:17:59
